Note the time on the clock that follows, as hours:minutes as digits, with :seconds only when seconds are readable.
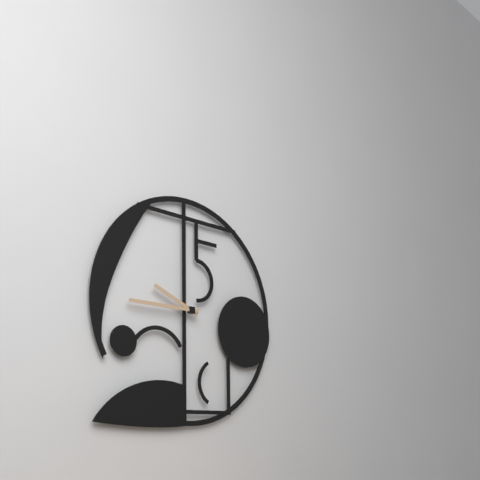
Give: 9:45
